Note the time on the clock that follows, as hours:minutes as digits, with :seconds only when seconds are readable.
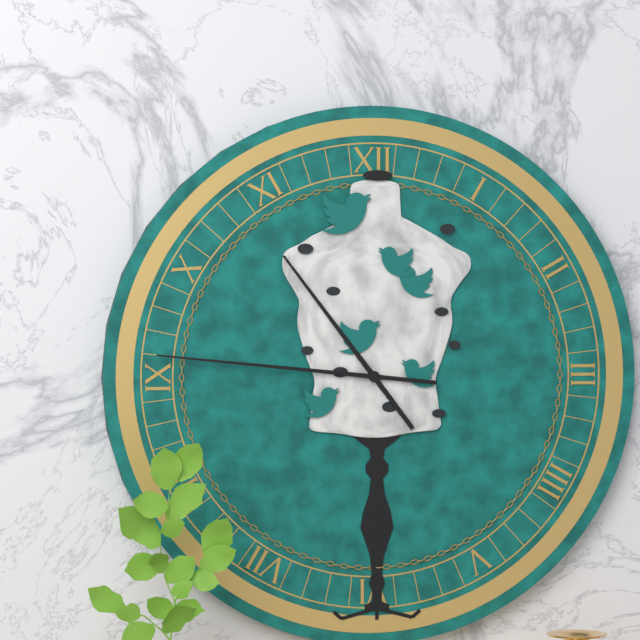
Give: 10:46
